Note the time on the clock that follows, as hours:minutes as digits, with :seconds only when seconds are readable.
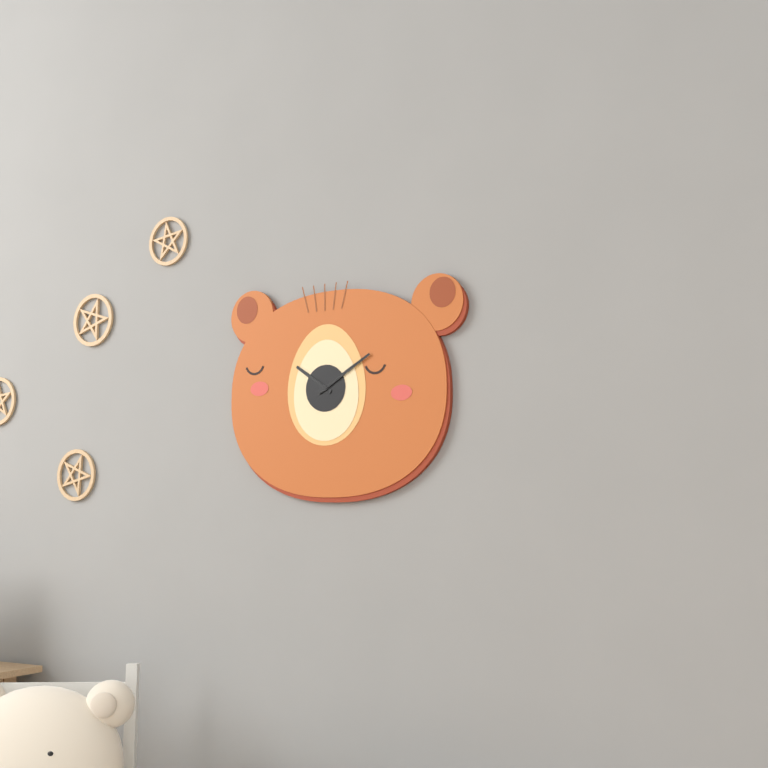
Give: 10:10
